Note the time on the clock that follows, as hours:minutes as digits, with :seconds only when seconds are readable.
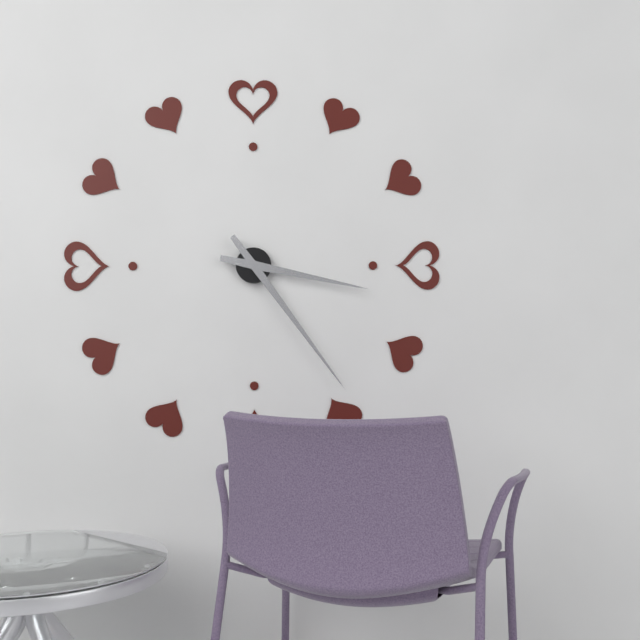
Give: 3:24
